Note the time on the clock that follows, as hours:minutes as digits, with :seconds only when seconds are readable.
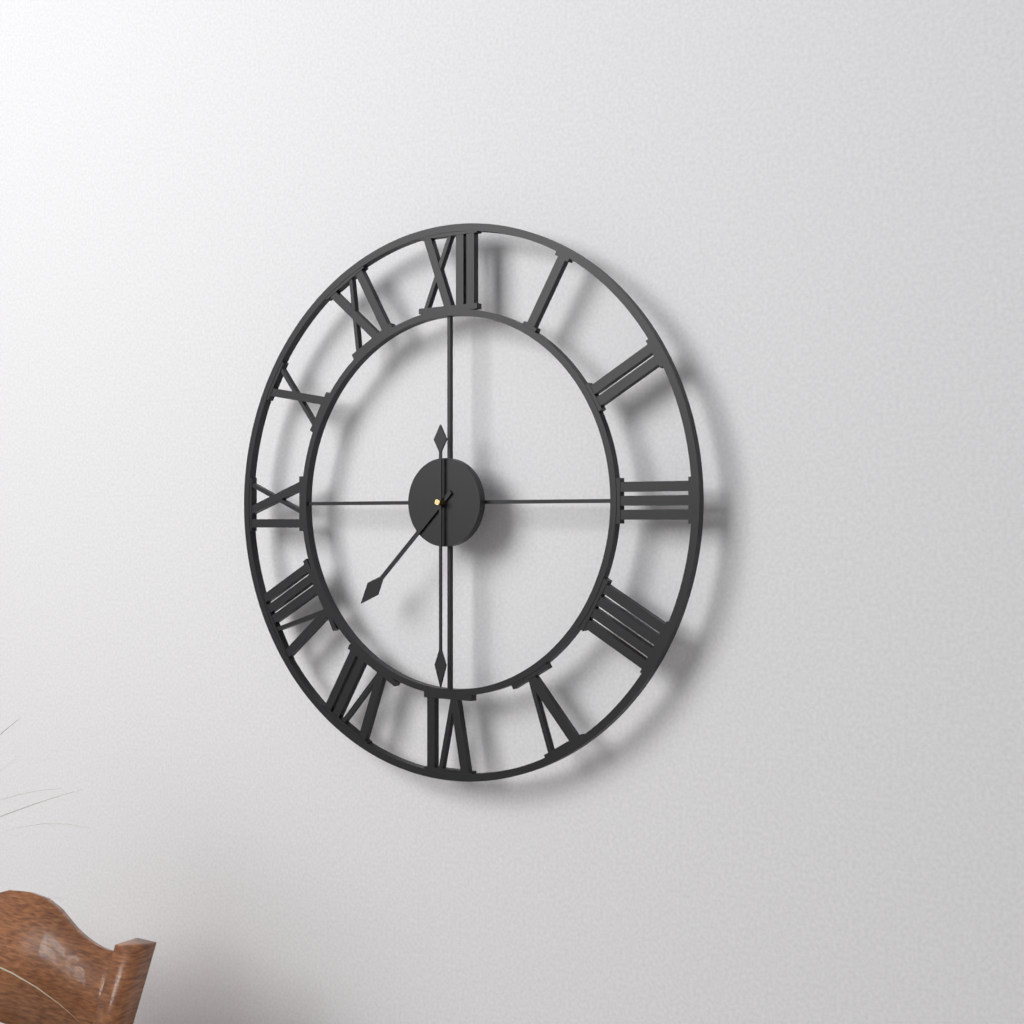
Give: 7:30
